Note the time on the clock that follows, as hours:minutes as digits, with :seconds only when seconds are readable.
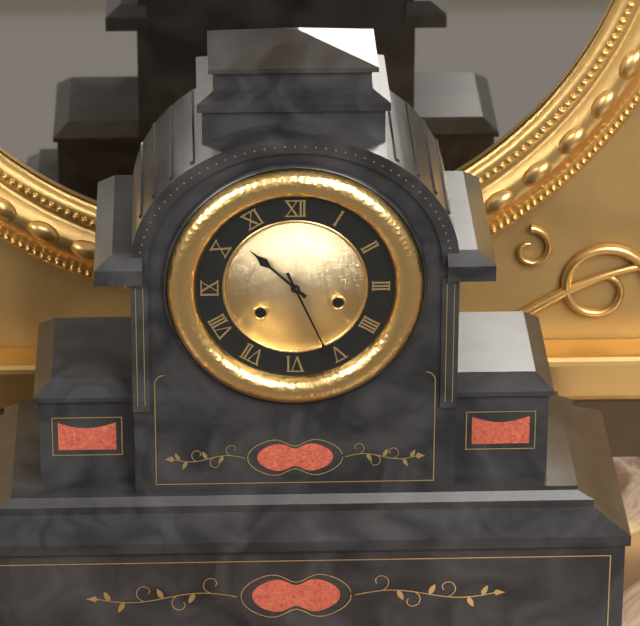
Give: 10:26
